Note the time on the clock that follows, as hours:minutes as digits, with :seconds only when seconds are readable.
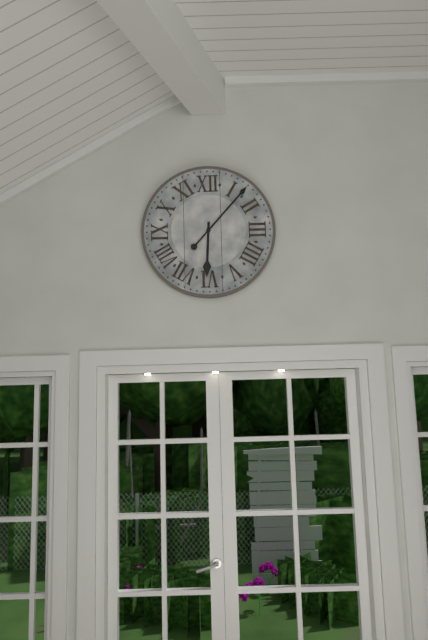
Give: 6:07
